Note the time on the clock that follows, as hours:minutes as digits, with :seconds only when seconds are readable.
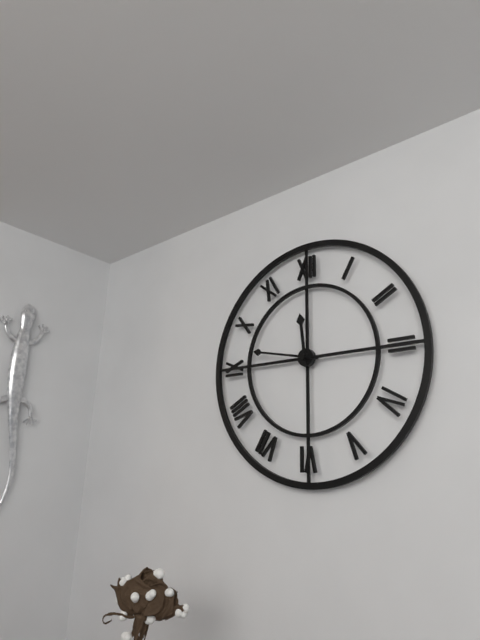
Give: 11:47
